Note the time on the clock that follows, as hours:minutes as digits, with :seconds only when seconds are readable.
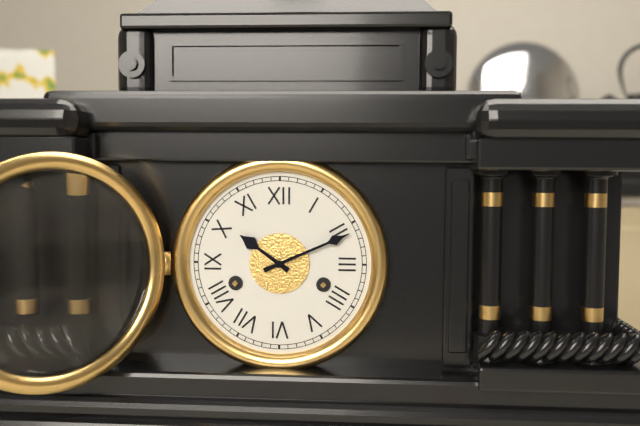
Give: 10:11
